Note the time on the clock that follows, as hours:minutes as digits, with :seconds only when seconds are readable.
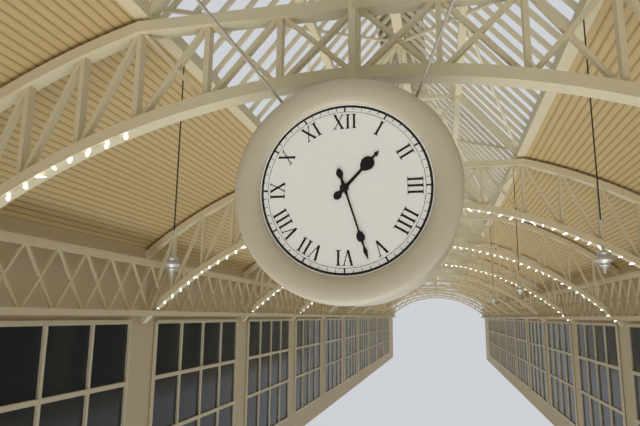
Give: 1:27
